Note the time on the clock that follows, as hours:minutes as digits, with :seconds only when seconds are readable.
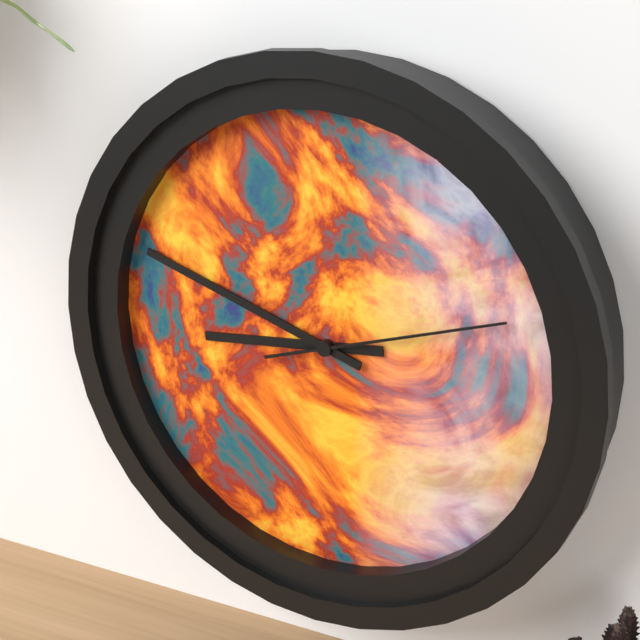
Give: 8:48:12
